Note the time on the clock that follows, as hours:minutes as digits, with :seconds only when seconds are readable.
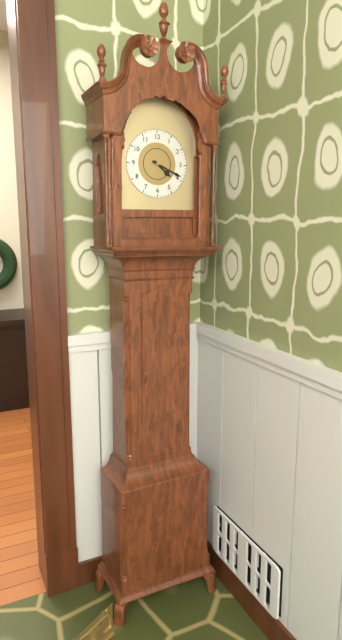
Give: 4:19
